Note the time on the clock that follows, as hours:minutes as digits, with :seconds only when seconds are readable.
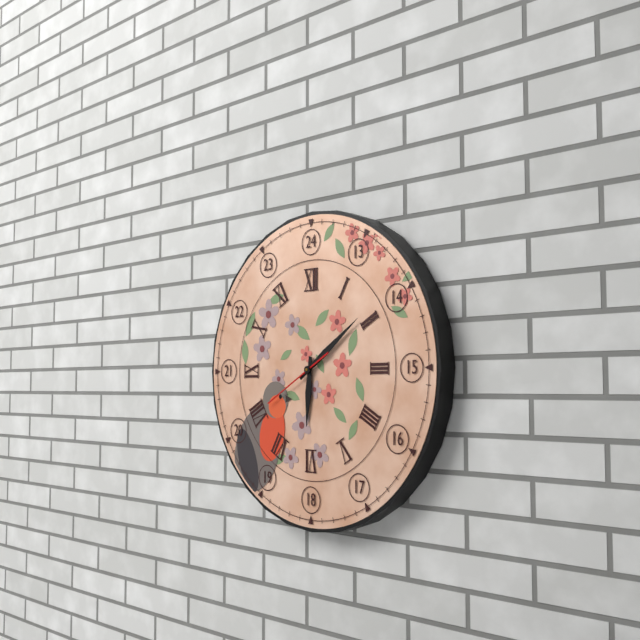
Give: 6:09:40
